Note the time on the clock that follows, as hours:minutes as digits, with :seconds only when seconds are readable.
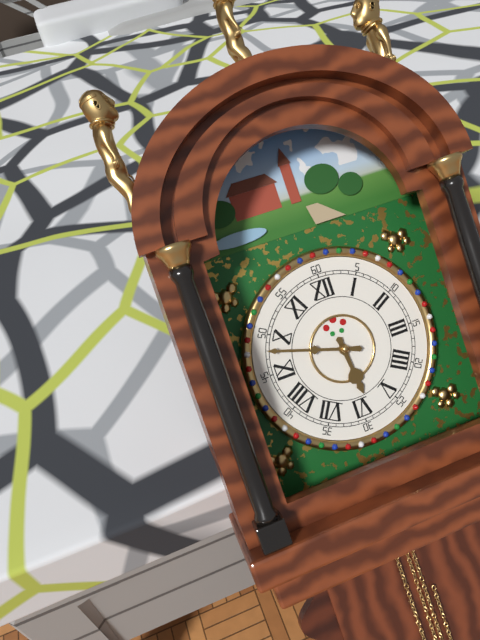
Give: 5:48
